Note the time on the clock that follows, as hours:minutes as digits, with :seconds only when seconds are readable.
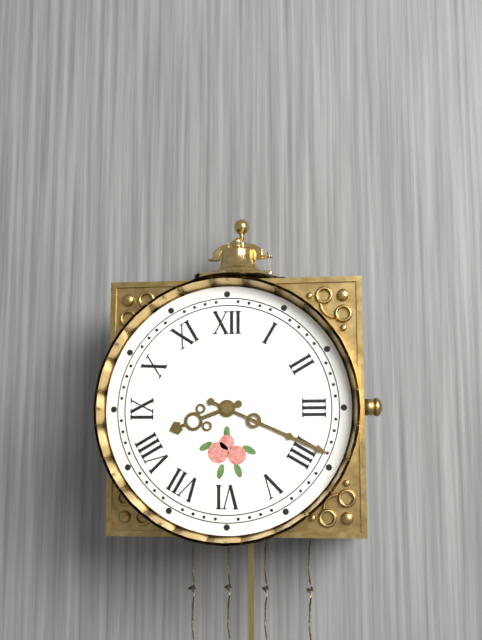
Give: 8:19
